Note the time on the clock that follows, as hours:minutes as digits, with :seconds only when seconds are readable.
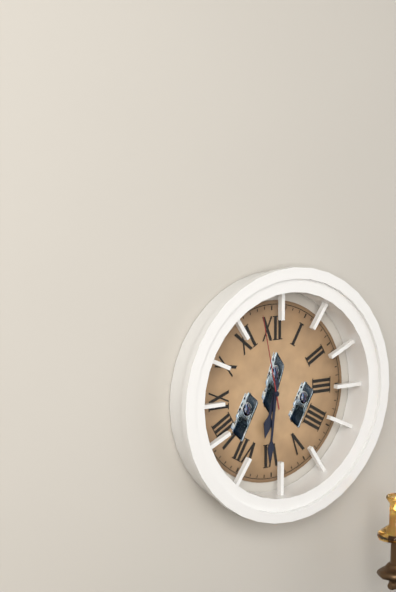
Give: 6:31:58
